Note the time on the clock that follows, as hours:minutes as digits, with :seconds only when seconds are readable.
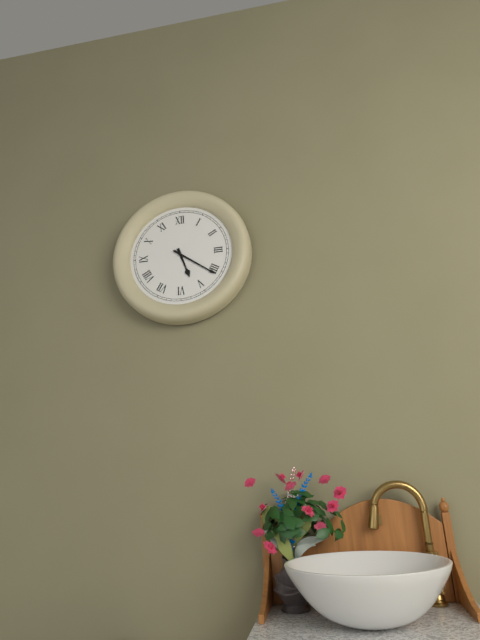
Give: 5:21
